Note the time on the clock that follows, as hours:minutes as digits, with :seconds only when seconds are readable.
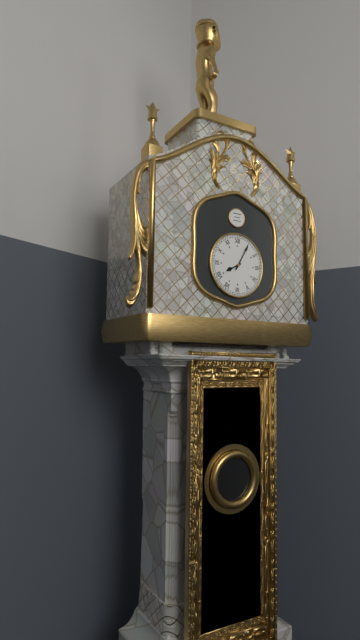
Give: 8:05
